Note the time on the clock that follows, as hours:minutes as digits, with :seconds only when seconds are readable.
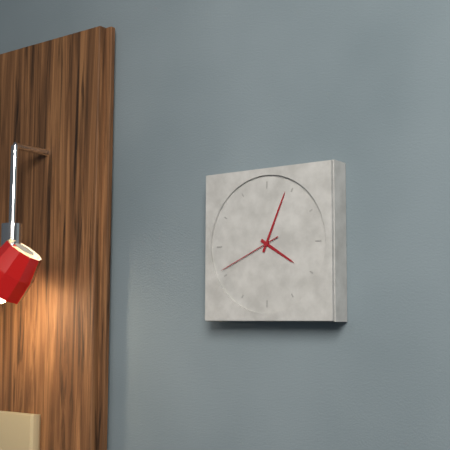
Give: 4:04:41
